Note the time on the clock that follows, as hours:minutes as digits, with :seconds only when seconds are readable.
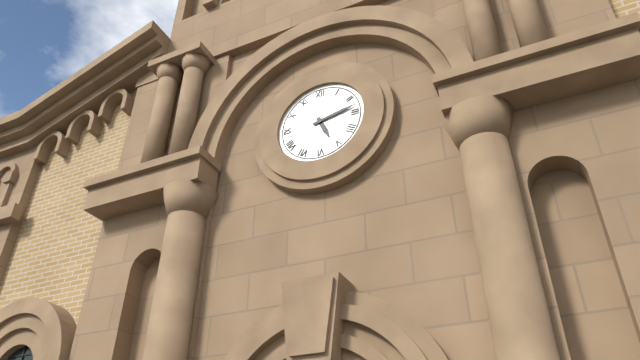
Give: 5:13
